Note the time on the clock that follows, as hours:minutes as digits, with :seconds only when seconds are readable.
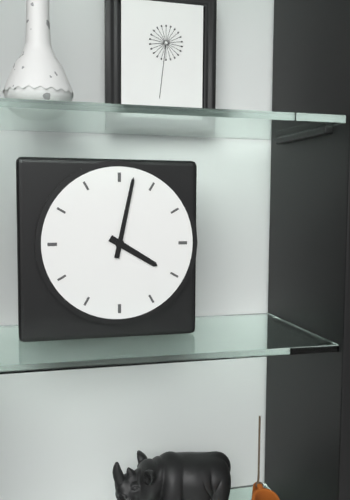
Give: 4:02
